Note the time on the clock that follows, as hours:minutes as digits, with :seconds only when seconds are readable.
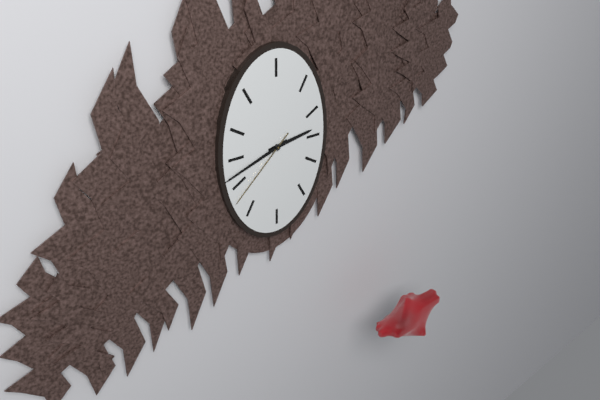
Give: 2:42:38
